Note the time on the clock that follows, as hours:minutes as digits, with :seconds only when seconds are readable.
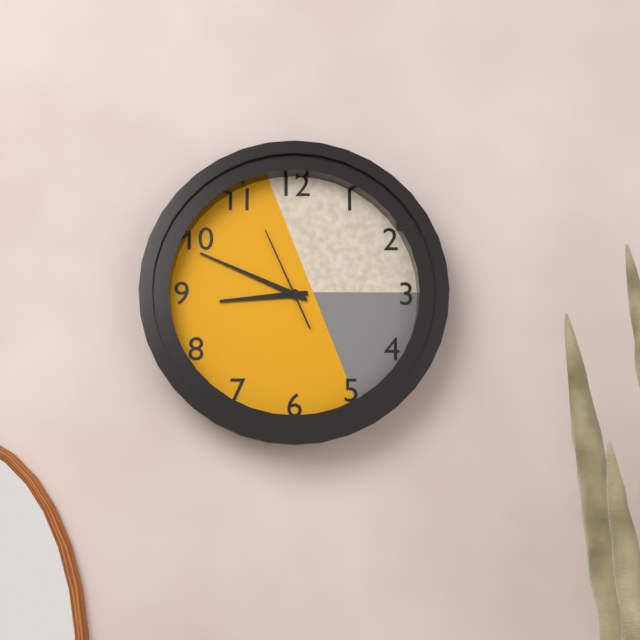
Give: 8:49:56
